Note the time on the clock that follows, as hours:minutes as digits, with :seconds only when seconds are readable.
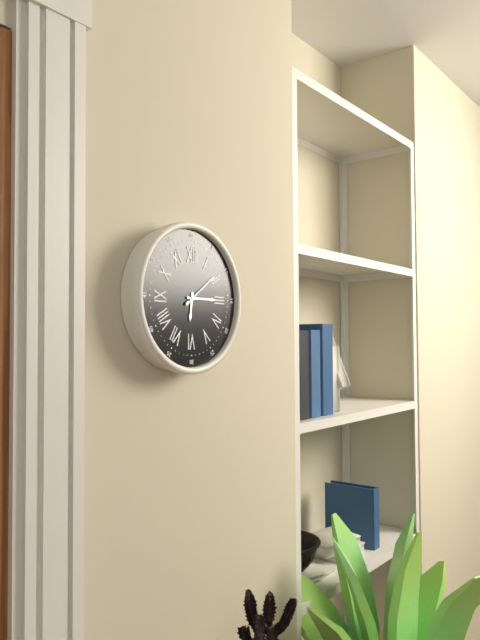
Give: 6:15
